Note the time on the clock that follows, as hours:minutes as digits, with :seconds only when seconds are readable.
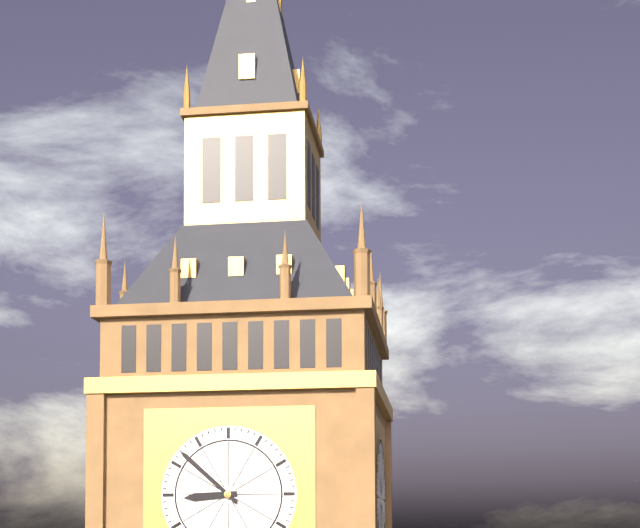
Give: 8:52
